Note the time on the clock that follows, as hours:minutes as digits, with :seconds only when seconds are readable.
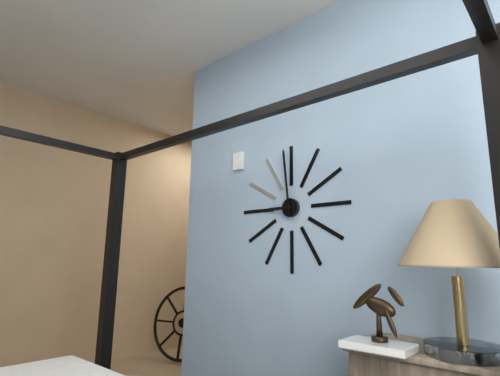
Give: 8:59
